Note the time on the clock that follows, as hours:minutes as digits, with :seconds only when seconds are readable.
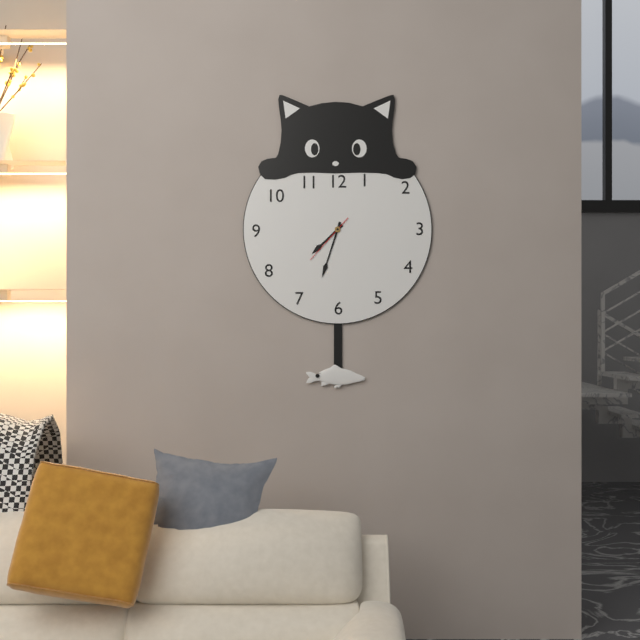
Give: 7:33:37
